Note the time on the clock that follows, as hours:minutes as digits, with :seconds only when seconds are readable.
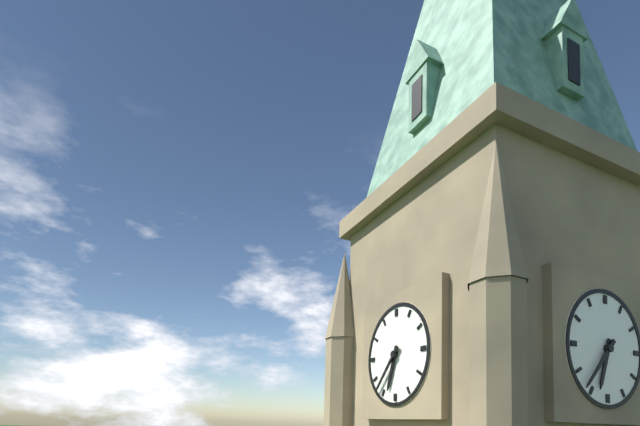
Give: 6:37
